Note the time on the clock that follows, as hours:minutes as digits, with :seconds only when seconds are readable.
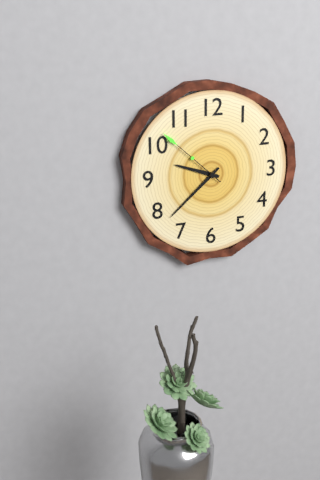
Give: 9:38:52
